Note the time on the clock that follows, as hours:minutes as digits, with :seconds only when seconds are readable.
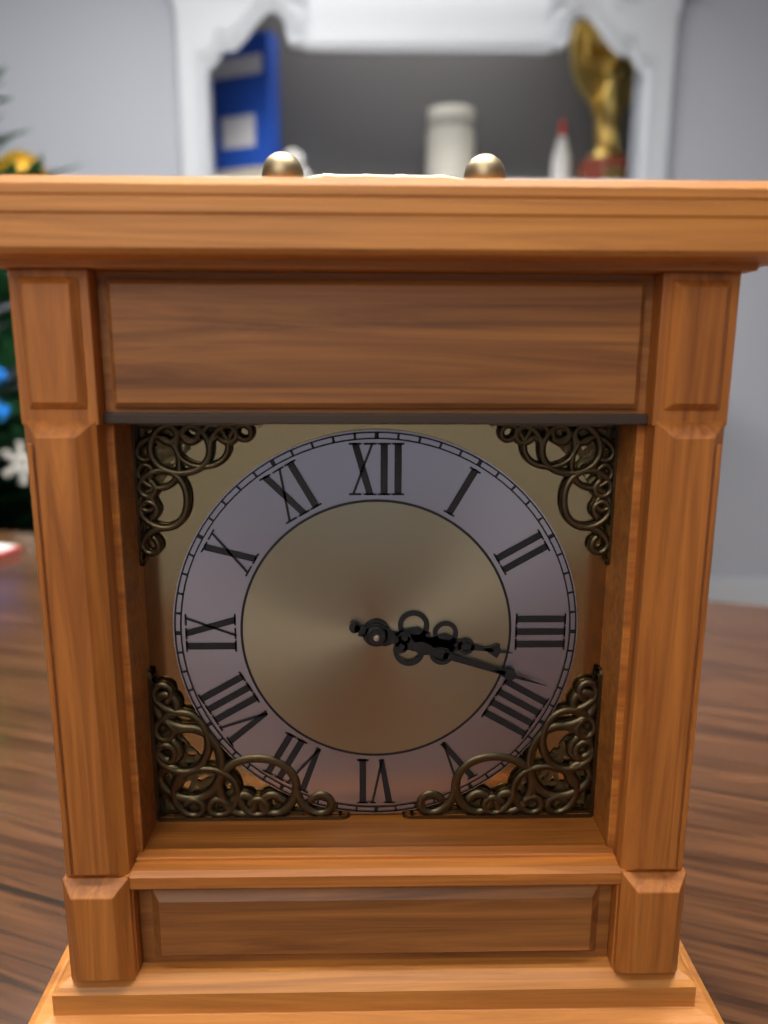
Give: 3:18
